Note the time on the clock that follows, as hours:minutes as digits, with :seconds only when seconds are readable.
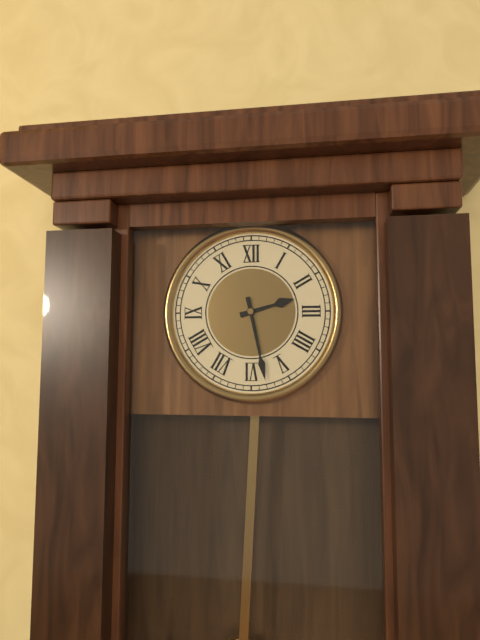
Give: 2:28
